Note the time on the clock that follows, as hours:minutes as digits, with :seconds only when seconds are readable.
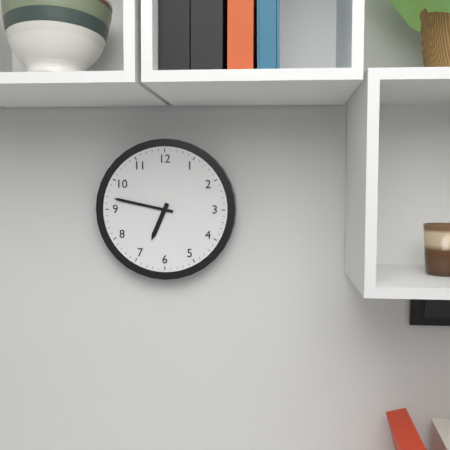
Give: 6:47
